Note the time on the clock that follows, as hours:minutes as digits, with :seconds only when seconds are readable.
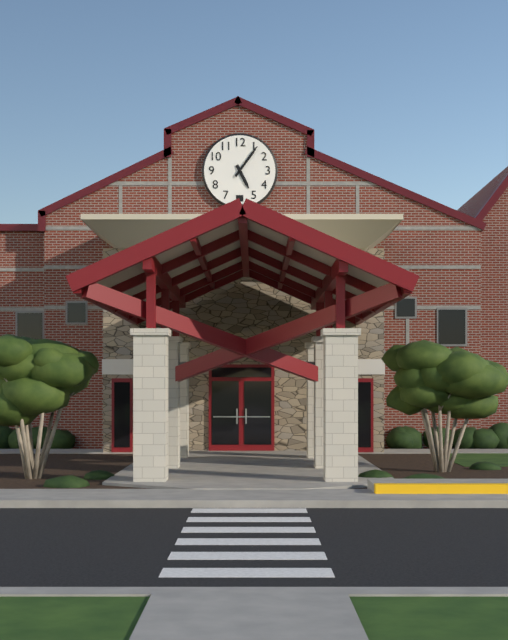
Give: 5:06
